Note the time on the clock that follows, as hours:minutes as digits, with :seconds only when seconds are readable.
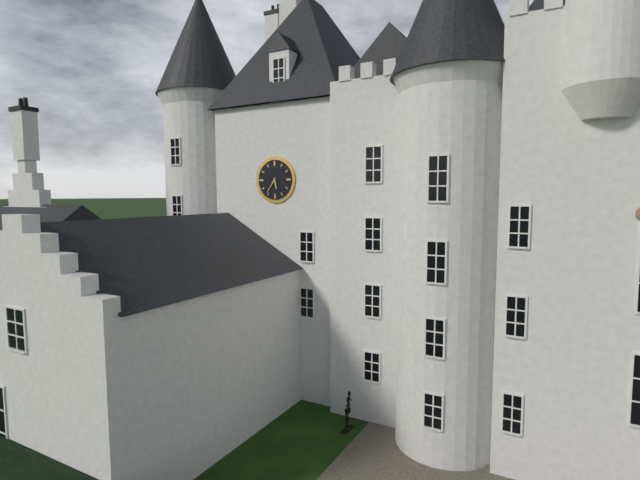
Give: 5:36
